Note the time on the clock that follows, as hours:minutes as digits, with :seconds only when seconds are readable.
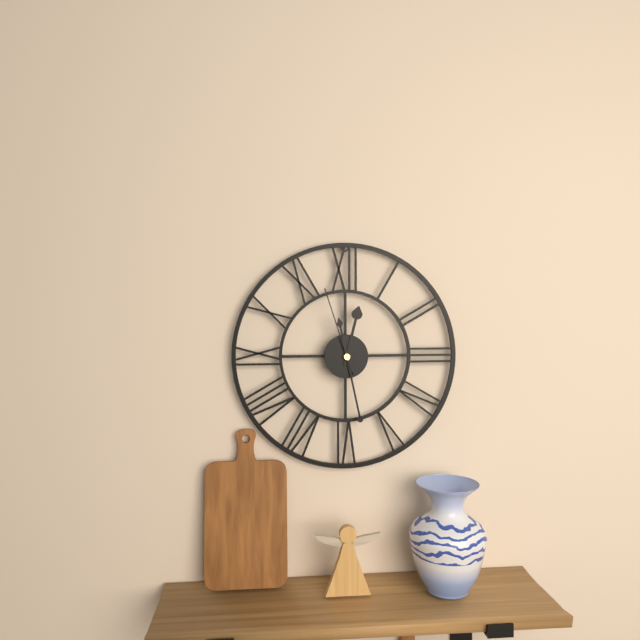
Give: 12:28:57
